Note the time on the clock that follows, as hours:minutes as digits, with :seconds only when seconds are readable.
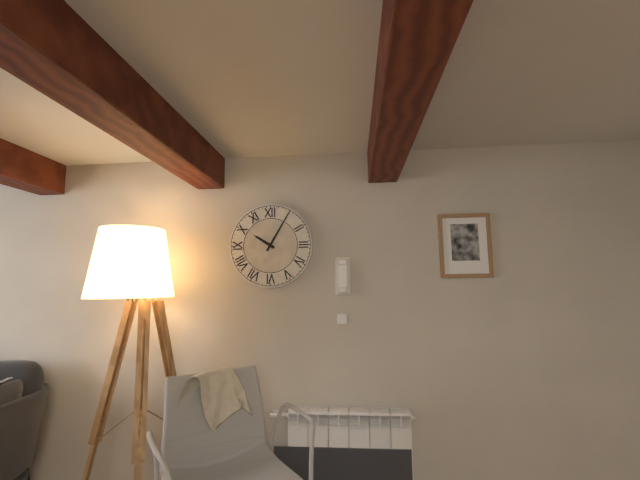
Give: 10:05
